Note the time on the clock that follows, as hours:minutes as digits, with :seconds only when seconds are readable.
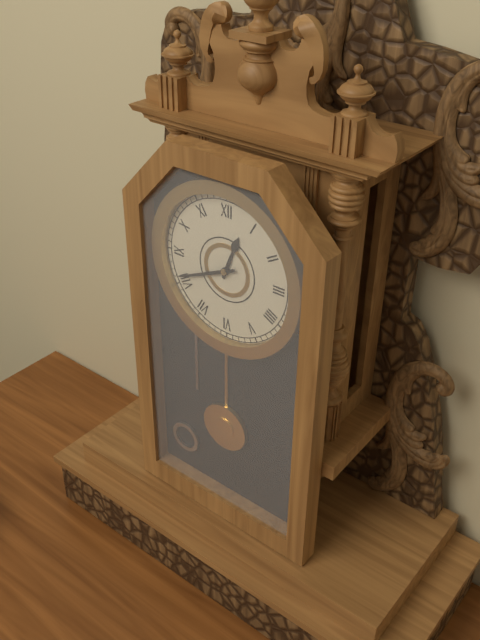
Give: 12:41
